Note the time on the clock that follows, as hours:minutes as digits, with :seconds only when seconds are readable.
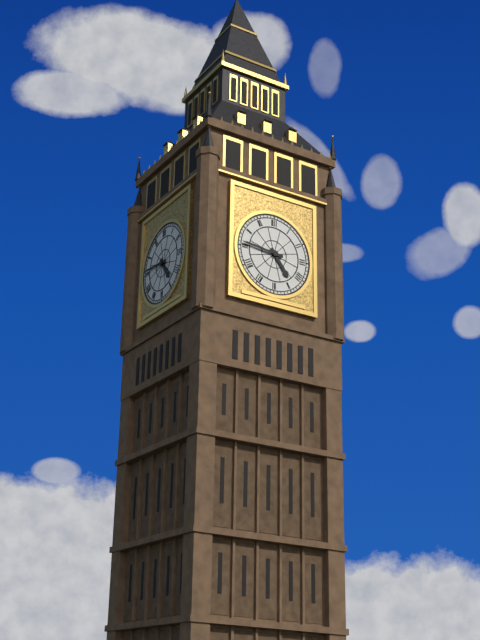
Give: 4:46
